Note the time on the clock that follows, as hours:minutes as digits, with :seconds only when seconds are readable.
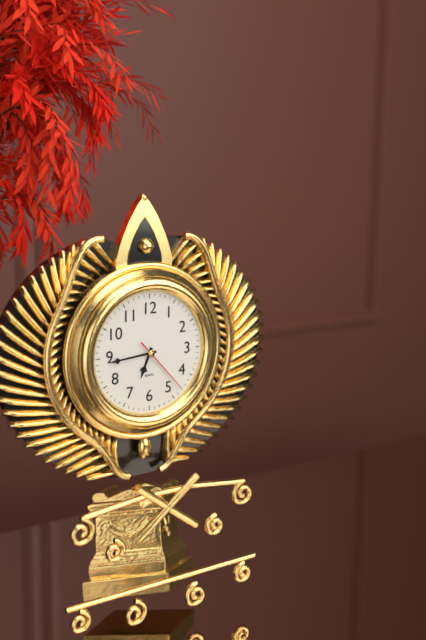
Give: 6:44:23
